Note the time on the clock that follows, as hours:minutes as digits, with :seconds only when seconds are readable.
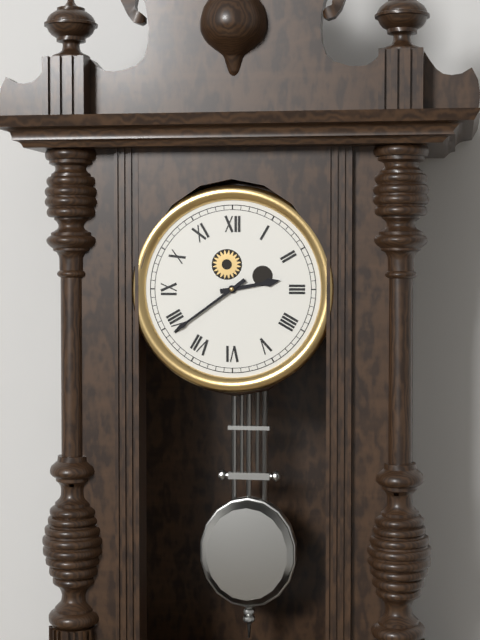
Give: 2:39
